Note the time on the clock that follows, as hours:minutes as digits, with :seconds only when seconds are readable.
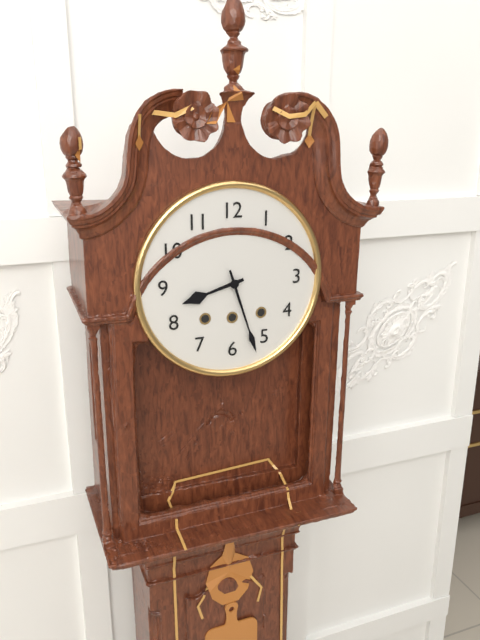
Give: 8:27
